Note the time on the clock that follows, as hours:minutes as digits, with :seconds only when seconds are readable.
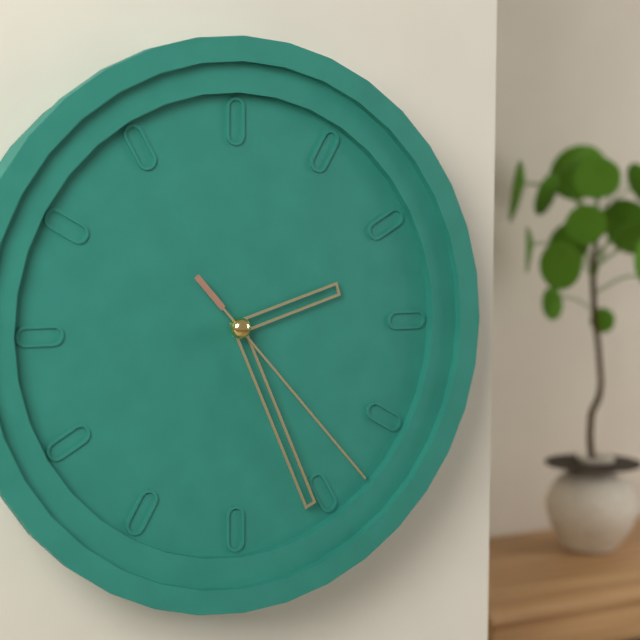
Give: 2:26:23
